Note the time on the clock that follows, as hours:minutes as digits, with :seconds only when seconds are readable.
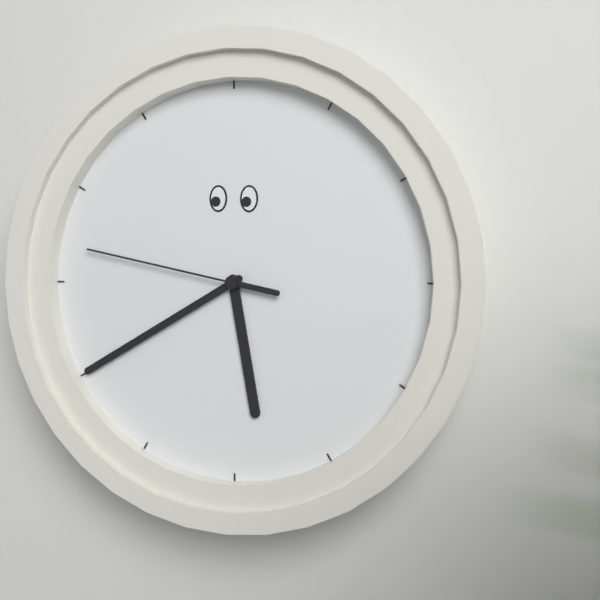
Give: 5:40:47
